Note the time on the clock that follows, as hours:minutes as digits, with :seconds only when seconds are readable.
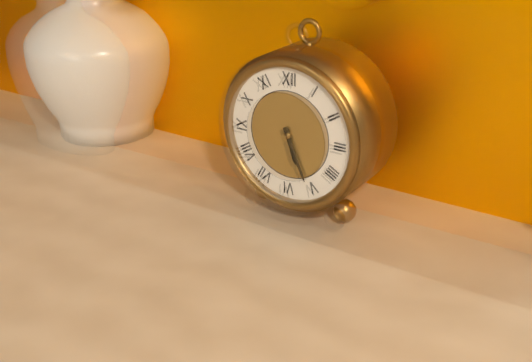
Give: 5:26
